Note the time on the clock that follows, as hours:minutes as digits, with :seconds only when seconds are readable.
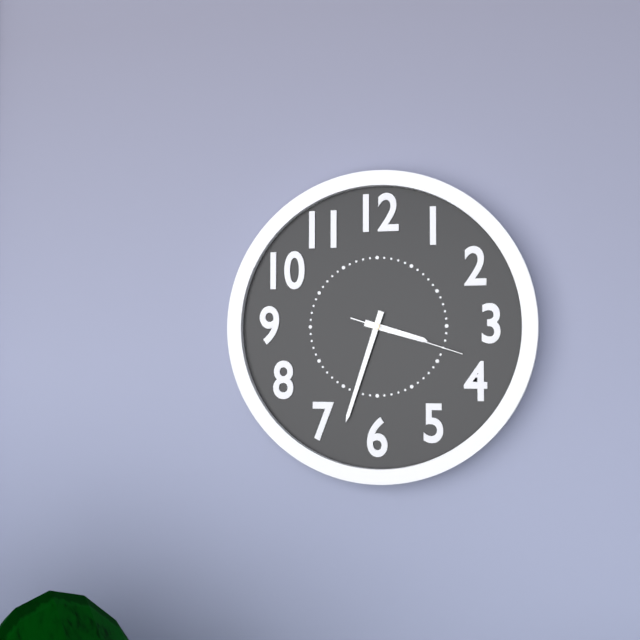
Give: 3:33:18
